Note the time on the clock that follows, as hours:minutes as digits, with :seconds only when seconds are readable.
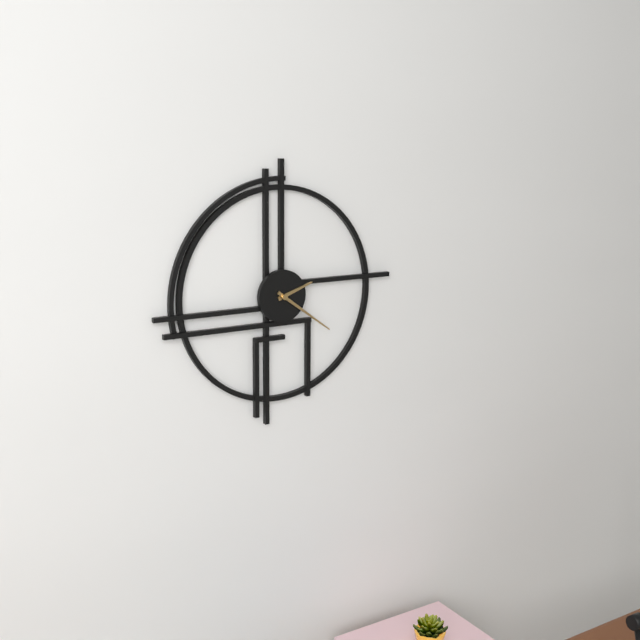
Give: 2:21
